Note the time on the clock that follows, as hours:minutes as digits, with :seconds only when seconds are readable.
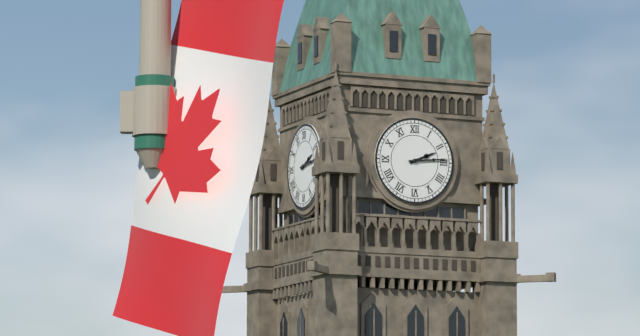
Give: 2:14
